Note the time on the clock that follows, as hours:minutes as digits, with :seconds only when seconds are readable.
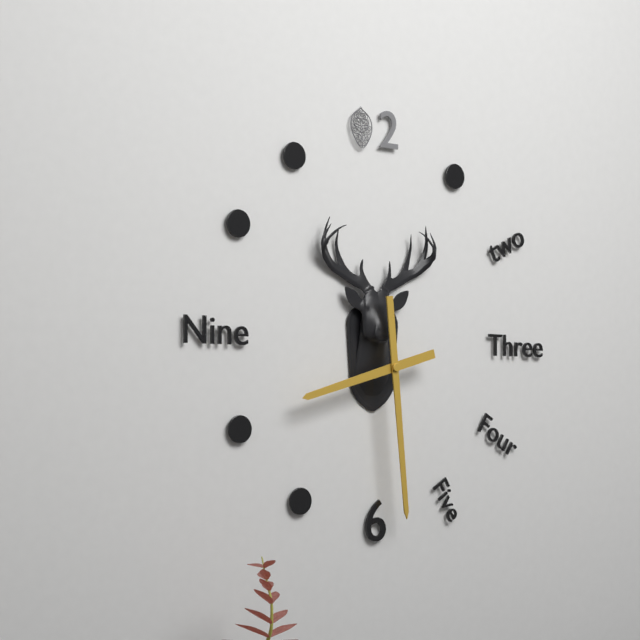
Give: 8:29
